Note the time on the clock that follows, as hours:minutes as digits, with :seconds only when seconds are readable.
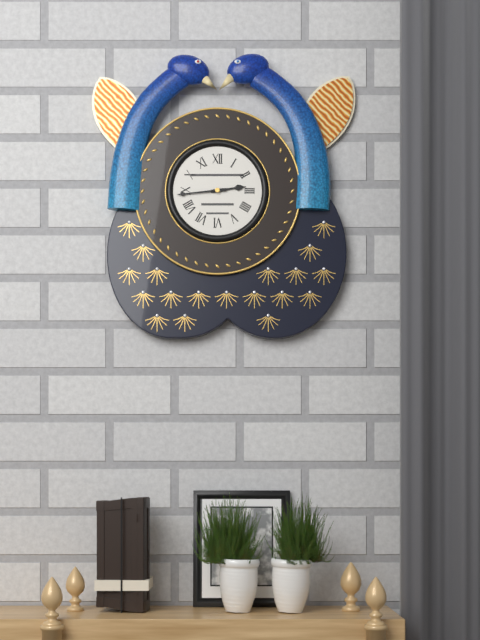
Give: 2:44
